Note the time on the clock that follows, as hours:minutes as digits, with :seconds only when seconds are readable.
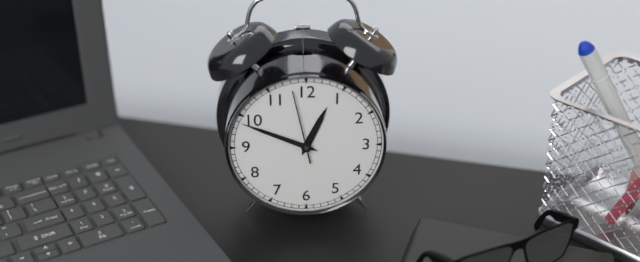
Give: 12:49:58
